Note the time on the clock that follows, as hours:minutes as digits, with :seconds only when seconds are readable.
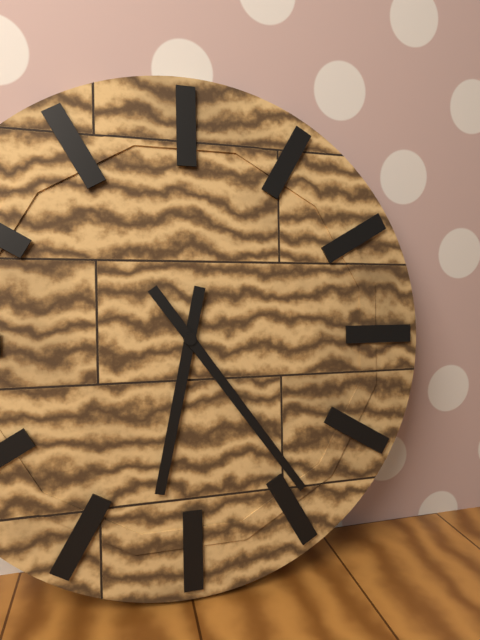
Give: 6:24
